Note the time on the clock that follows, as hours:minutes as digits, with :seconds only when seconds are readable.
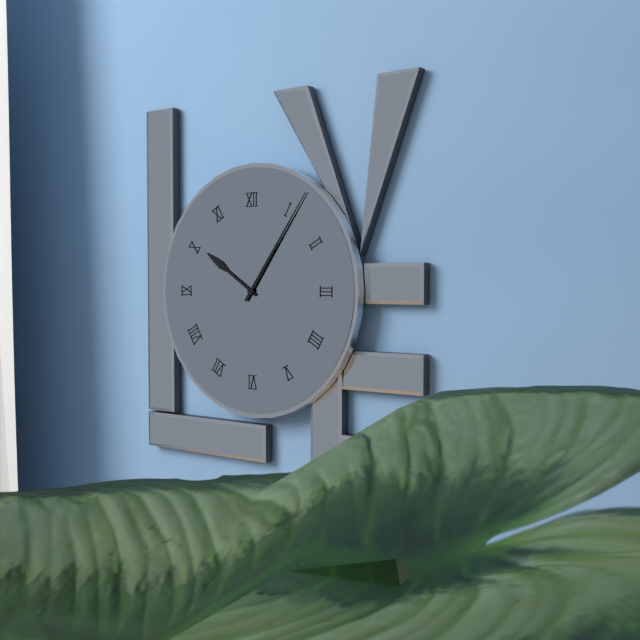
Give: 10:06
